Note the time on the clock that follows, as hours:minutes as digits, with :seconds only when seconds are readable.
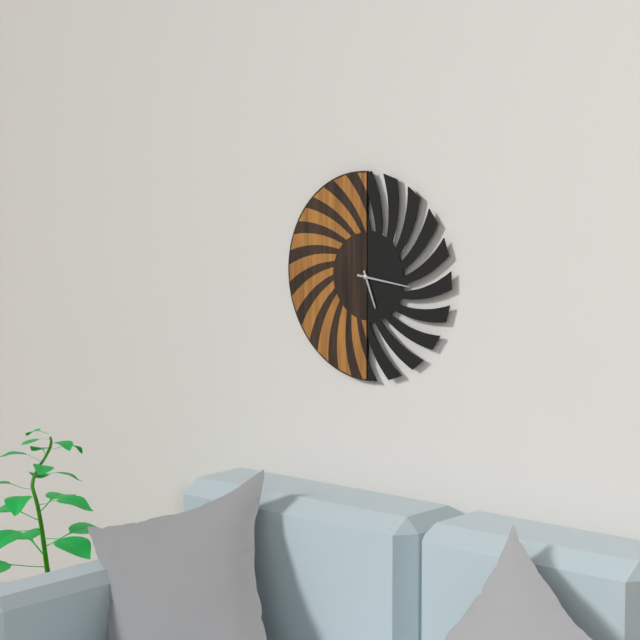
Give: 5:16
